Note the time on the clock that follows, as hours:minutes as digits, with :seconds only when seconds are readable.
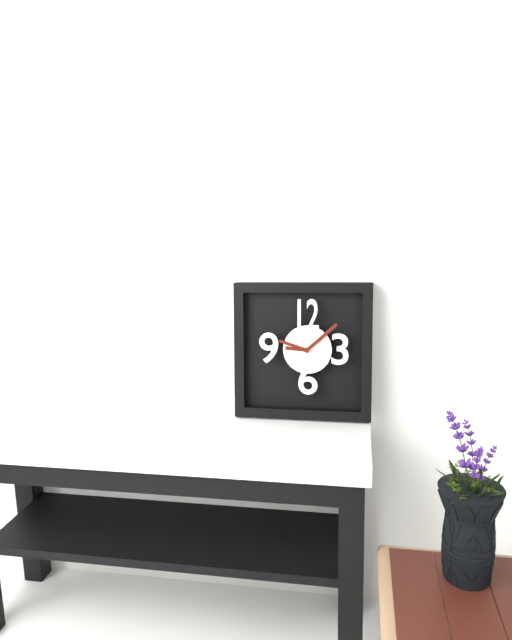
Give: 9:08
